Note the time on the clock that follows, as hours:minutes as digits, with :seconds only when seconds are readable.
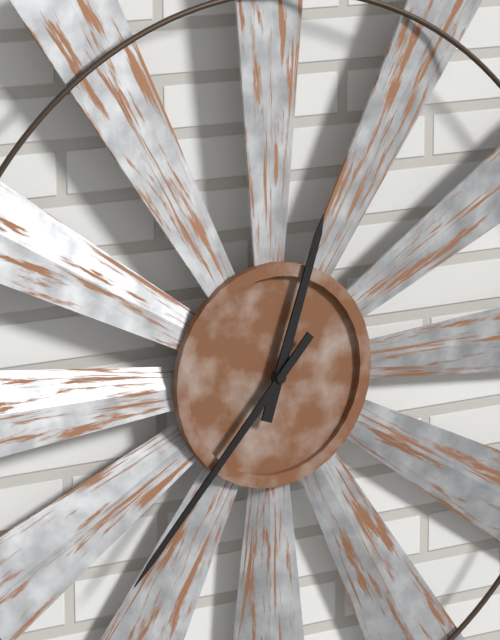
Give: 12:37
